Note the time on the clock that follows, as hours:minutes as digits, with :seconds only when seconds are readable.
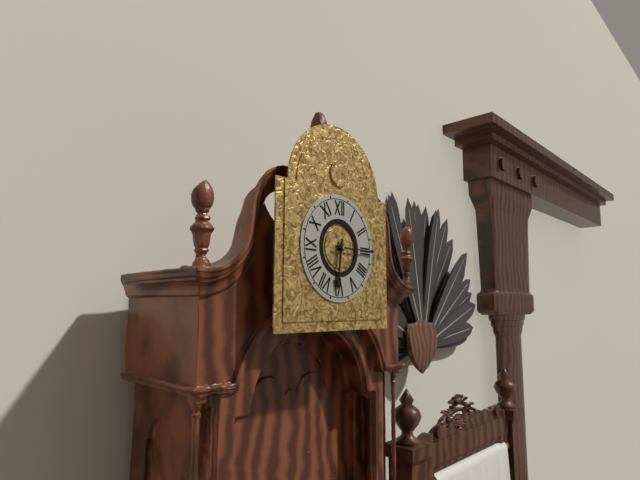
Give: 6:15
